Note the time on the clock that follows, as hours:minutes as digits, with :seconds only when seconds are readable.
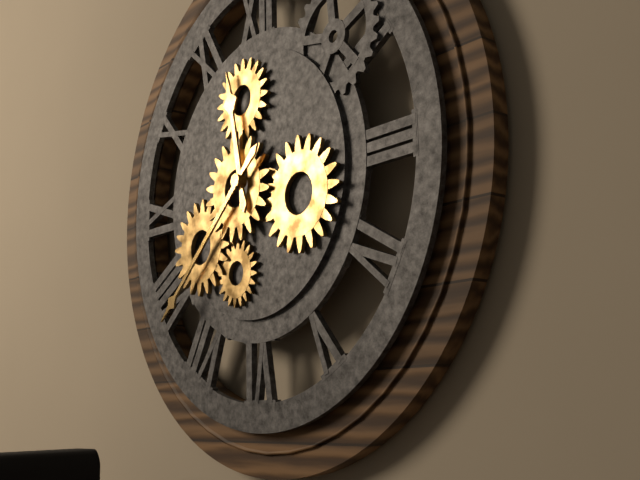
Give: 11:38
